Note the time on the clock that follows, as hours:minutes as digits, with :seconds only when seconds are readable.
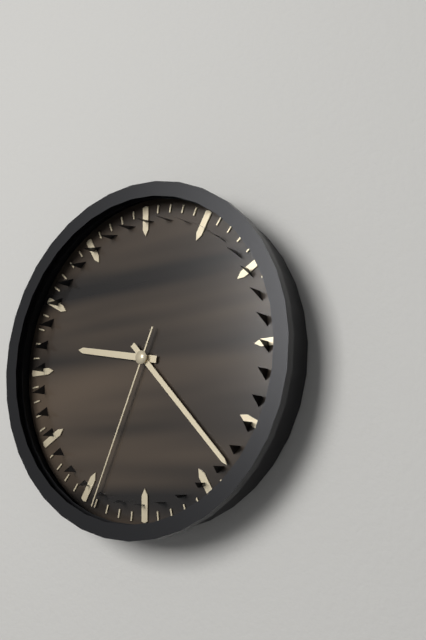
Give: 9:23:34
